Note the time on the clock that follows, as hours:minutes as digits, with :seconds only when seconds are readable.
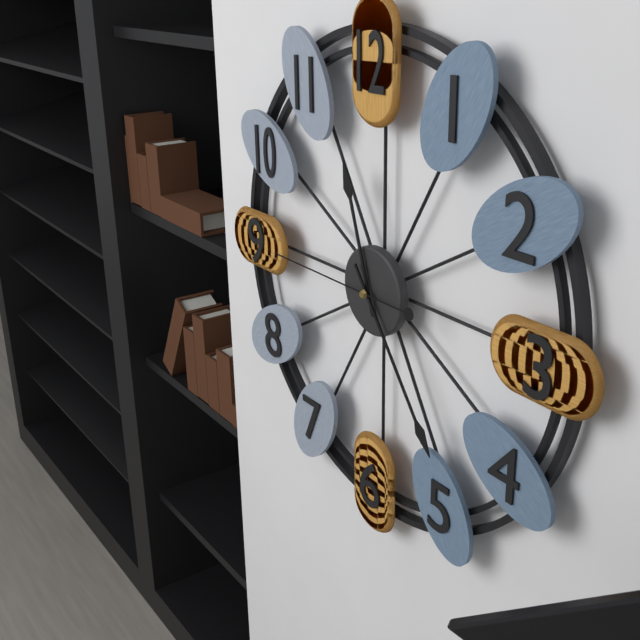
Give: 11:24:45
